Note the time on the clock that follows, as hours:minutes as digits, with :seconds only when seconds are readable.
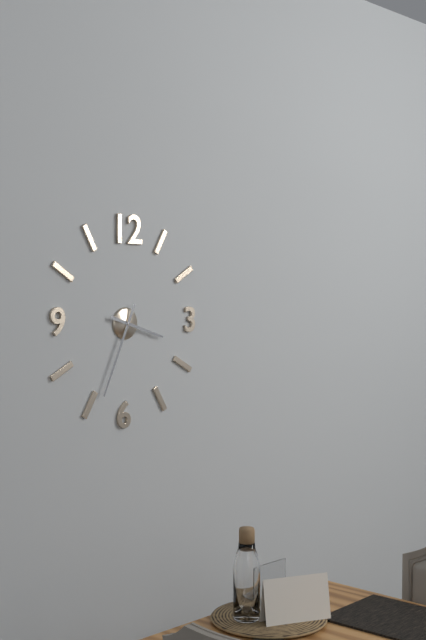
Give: 3:34
